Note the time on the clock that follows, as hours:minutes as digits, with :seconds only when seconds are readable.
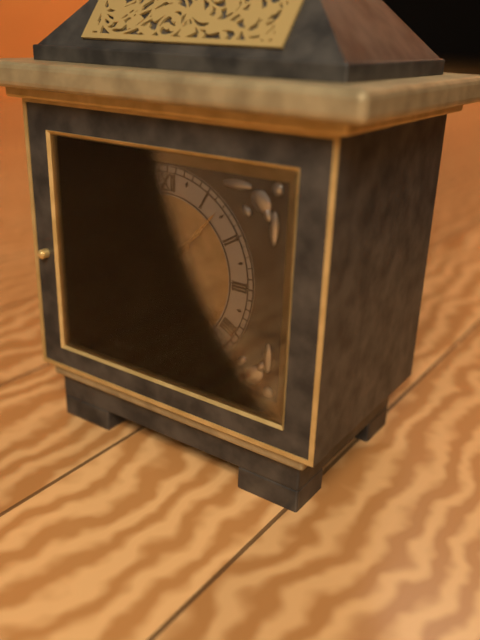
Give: 10:07
